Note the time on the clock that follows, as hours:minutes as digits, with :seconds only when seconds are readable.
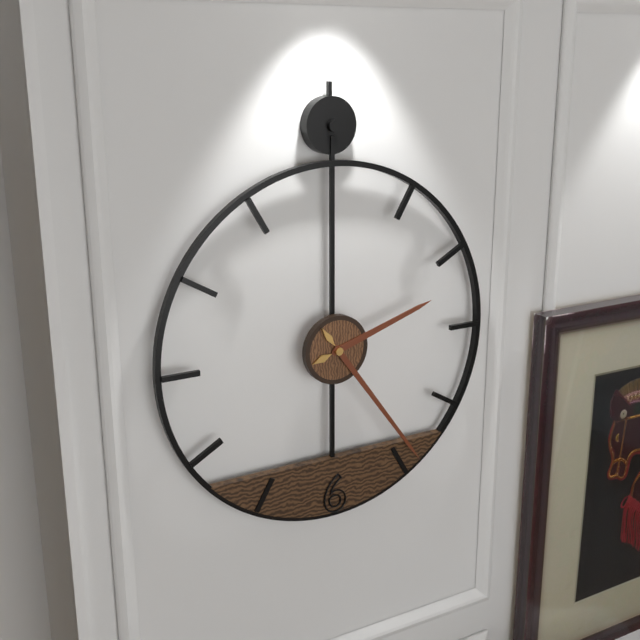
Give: 2:24
